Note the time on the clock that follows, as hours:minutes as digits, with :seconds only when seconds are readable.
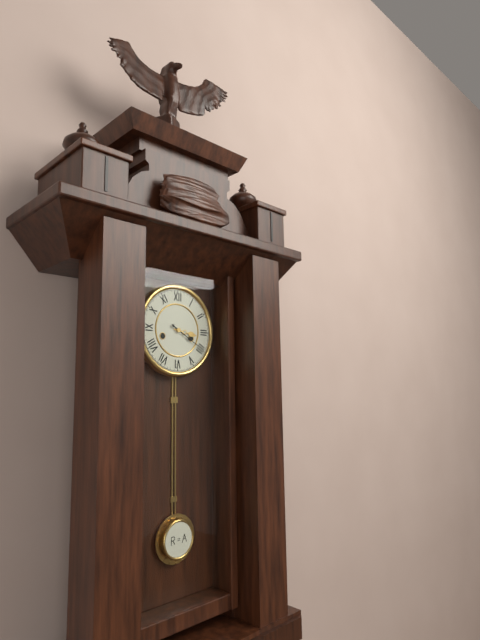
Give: 3:20
